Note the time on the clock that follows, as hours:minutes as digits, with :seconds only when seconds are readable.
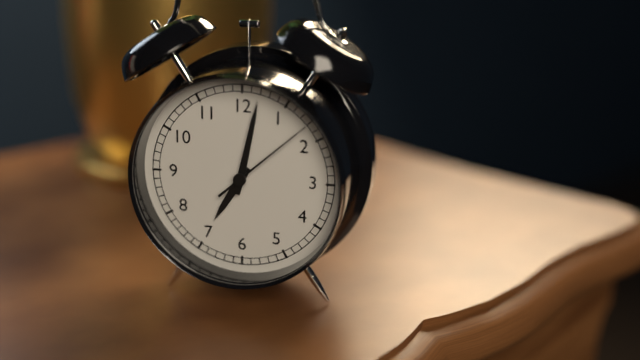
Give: 7:02:08
